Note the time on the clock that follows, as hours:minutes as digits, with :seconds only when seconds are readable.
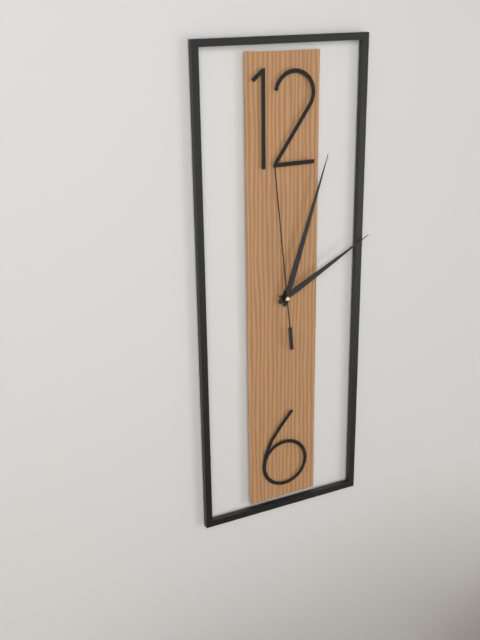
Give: 2:03:59
